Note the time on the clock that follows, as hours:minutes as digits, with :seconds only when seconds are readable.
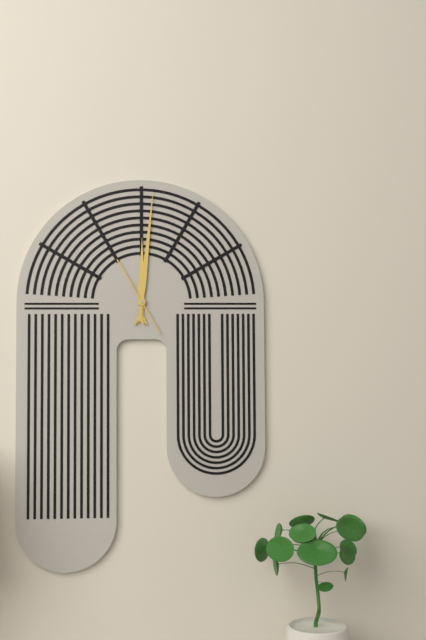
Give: 12:01:55
